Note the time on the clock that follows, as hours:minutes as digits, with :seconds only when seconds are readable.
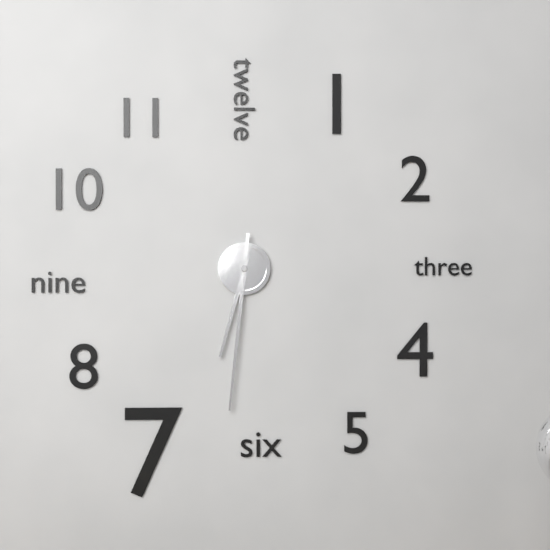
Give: 6:31
